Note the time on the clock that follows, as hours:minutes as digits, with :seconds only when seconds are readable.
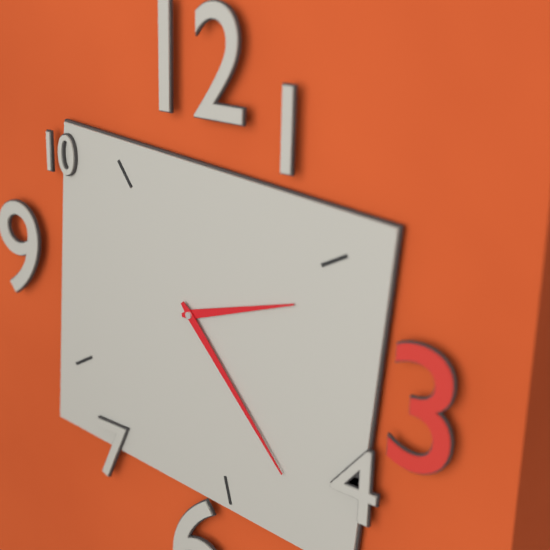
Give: 2:23
